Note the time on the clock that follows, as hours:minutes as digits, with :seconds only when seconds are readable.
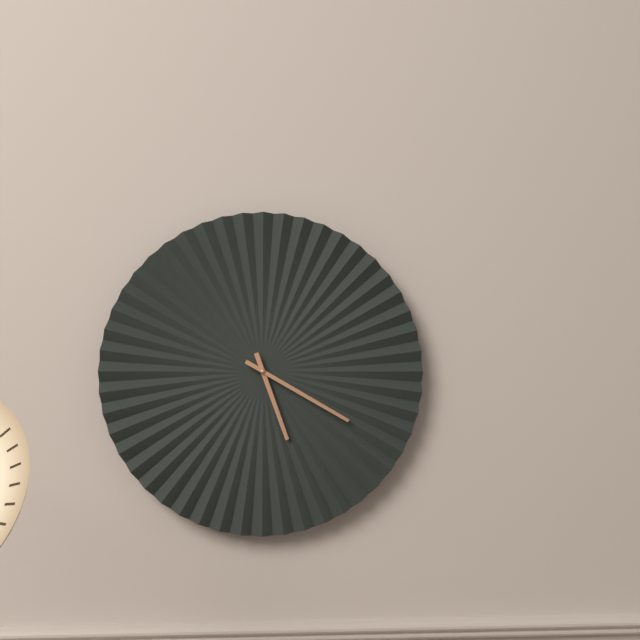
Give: 5:20
